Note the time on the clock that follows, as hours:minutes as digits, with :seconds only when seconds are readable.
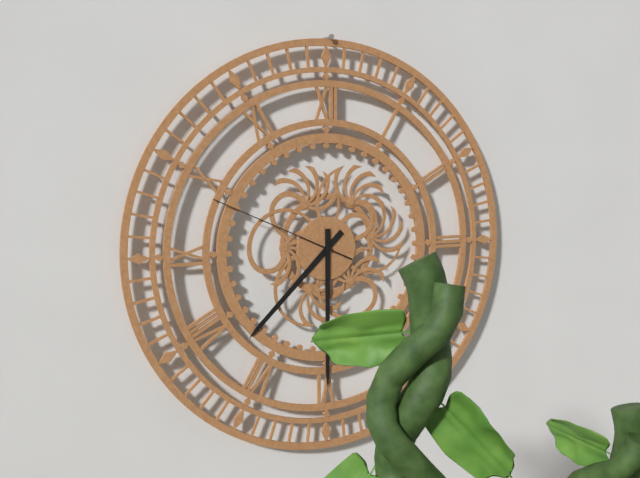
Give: 7:30:49
